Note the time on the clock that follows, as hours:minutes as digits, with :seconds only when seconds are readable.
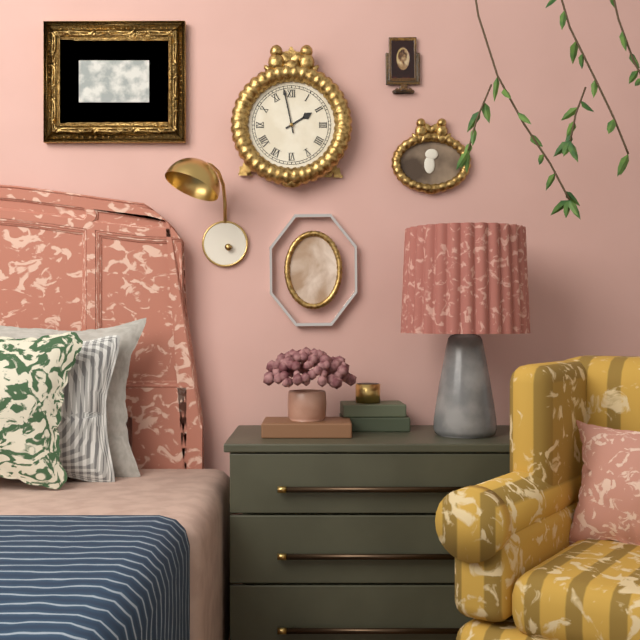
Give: 1:58
